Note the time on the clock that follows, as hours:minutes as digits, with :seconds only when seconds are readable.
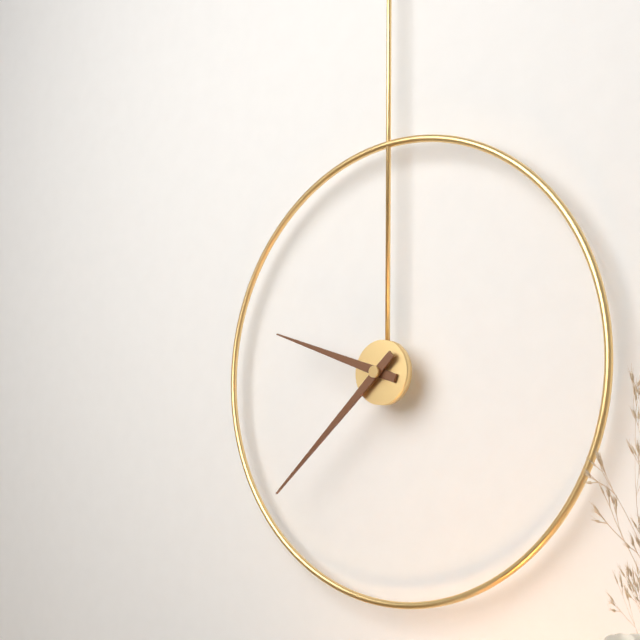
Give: 9:38
